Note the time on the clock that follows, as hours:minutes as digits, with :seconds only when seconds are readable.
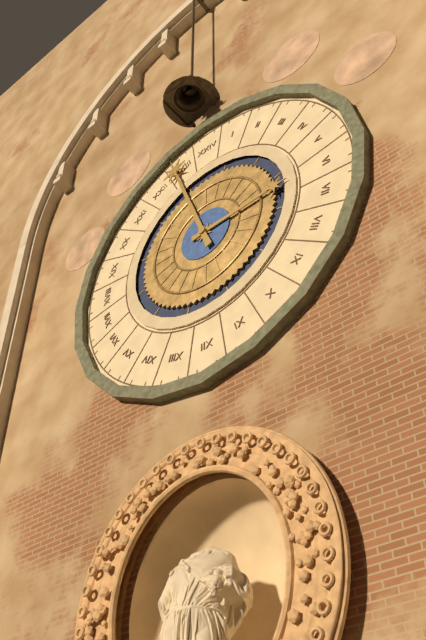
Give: 2:57
